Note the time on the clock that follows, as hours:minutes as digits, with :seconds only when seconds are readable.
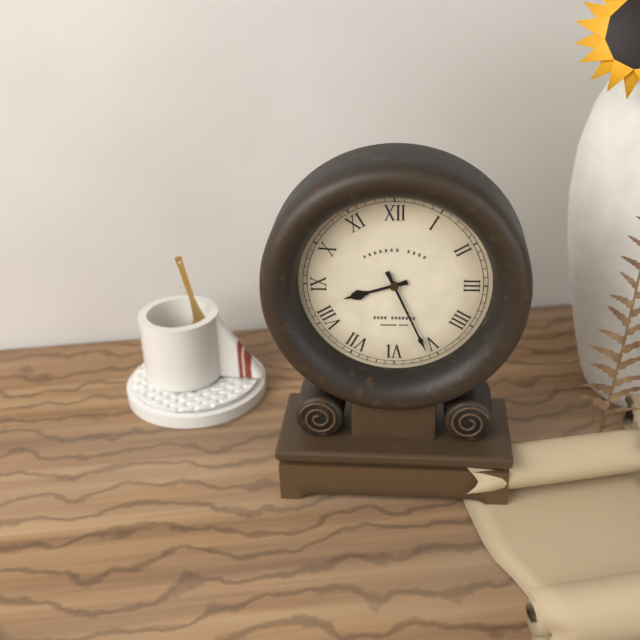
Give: 8:26
